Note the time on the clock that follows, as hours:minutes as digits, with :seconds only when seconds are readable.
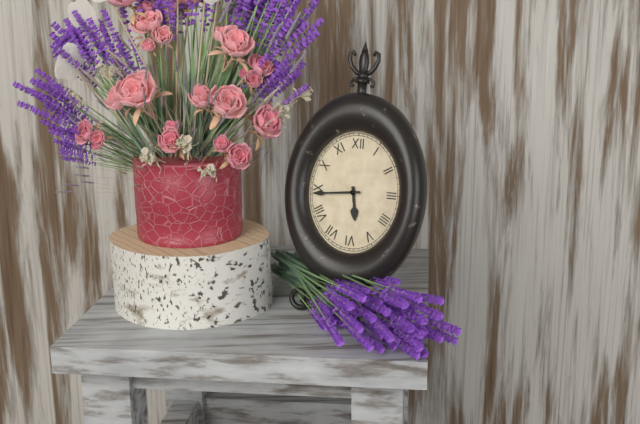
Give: 5:44
